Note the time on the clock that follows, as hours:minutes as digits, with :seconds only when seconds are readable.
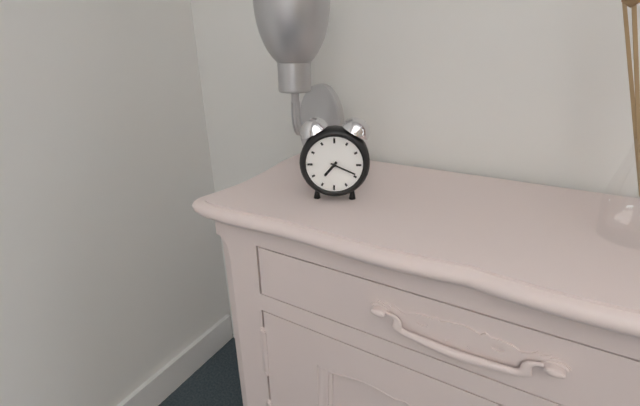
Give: 7:19
